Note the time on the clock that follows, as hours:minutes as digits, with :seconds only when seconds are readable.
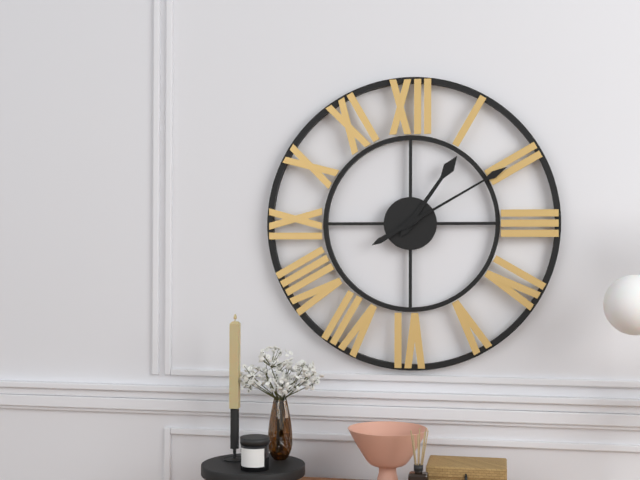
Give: 1:10
